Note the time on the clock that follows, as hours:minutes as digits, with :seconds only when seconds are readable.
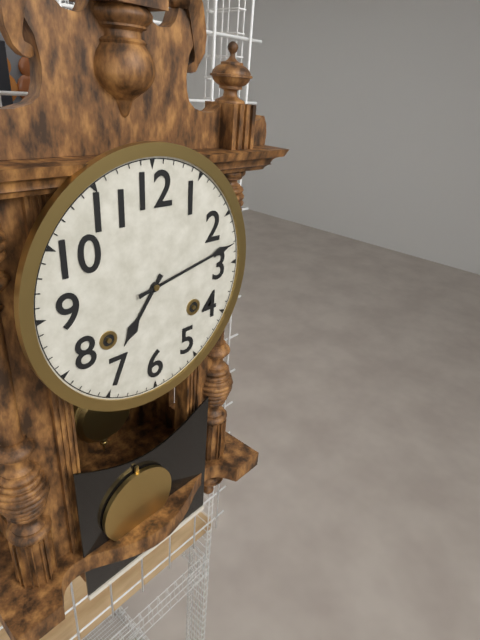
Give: 7:13
